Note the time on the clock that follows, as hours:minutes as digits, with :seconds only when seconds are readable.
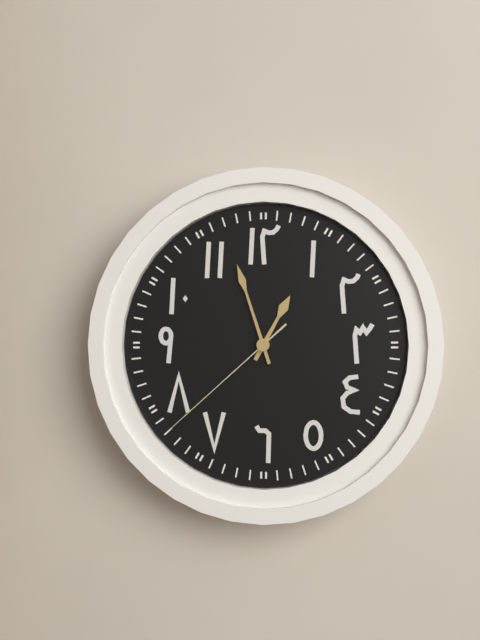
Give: 12:57:38
